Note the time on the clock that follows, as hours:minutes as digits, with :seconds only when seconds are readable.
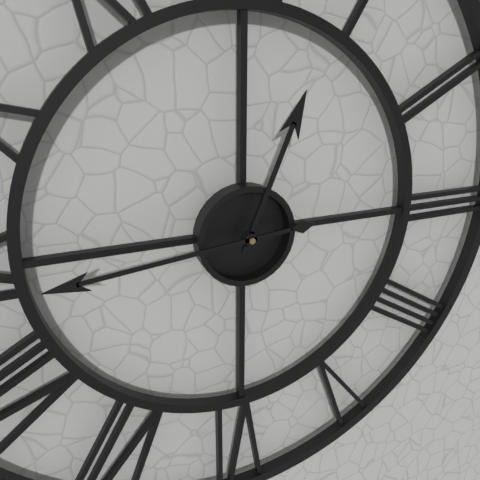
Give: 12:44
